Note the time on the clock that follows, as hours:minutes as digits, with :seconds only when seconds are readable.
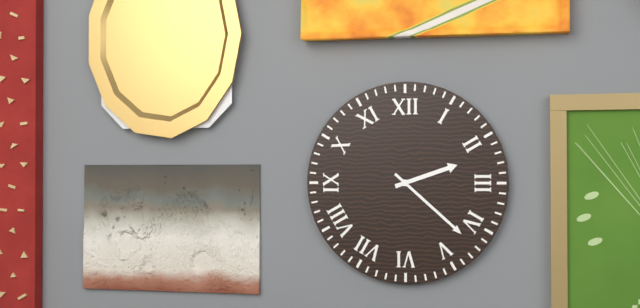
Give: 2:22
